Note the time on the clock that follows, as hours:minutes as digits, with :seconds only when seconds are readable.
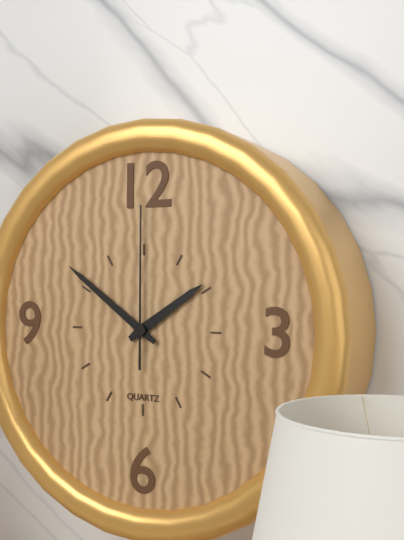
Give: 1:51:00
